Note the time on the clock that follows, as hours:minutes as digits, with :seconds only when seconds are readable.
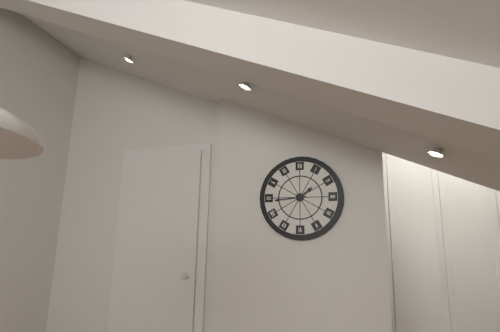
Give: 1:44
